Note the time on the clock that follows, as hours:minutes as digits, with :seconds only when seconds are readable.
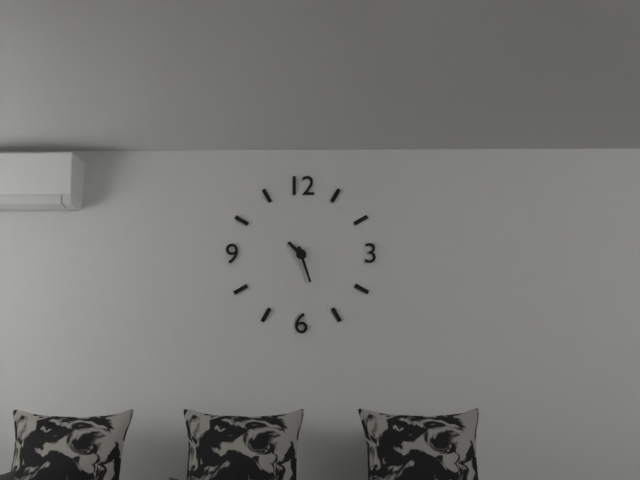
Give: 10:27
